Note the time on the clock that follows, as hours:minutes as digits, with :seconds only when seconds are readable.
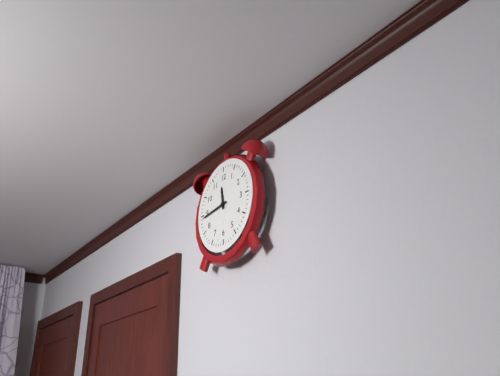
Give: 11:44
